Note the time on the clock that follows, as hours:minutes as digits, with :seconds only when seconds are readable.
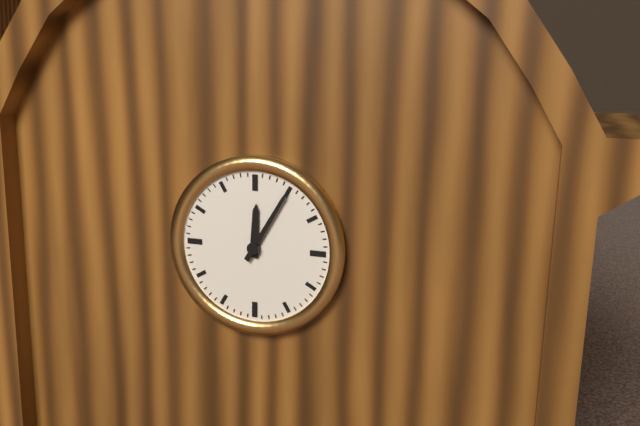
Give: 12:05
